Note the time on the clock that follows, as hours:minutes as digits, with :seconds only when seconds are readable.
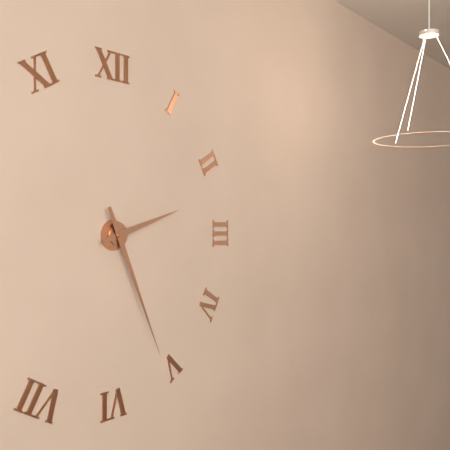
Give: 2:26
